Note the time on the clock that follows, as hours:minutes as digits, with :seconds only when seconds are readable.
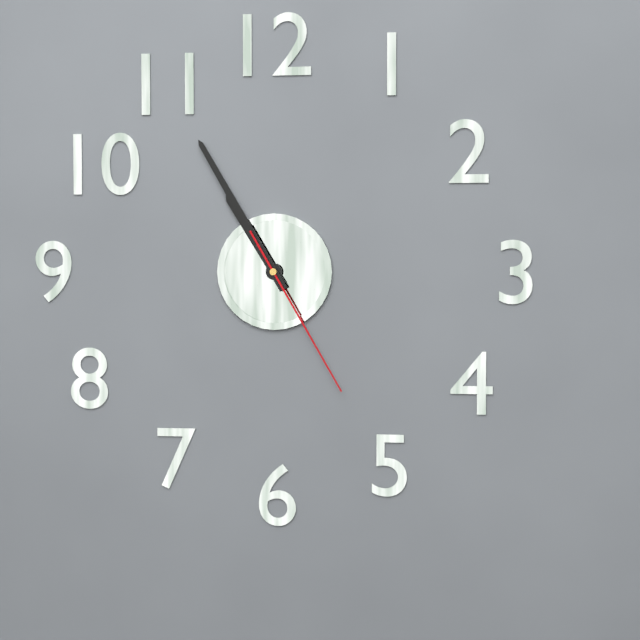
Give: 10:55:25
